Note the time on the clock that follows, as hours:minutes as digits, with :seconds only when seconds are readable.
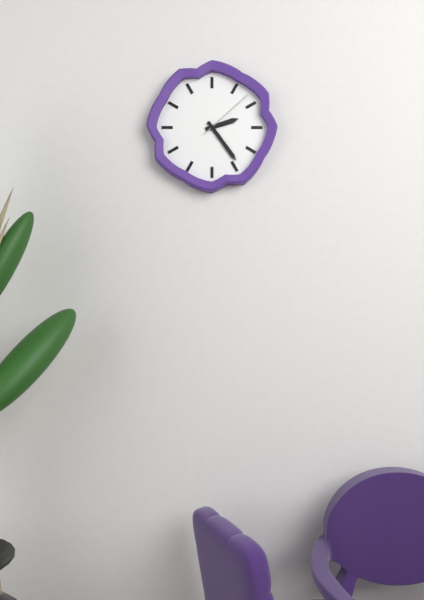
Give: 2:24:08
